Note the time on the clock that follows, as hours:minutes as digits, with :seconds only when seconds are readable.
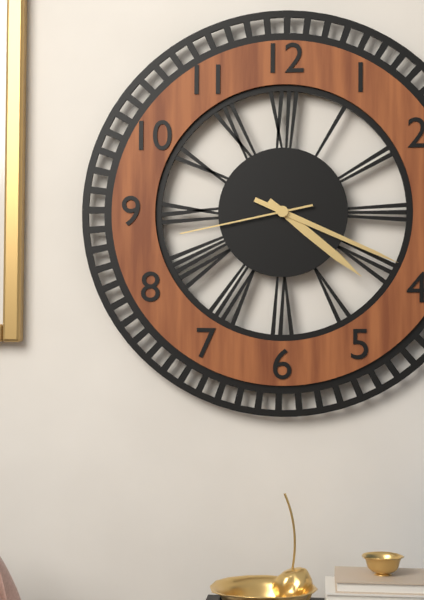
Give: 4:19:43
